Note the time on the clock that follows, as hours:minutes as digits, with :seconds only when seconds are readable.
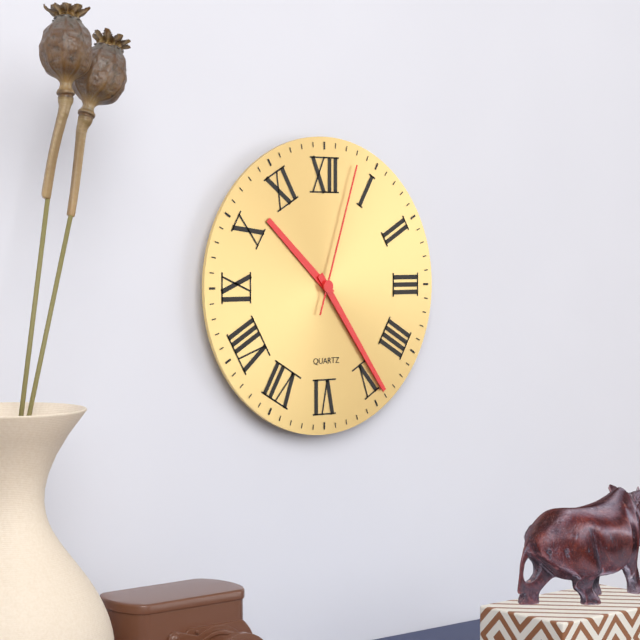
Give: 10:24:03
